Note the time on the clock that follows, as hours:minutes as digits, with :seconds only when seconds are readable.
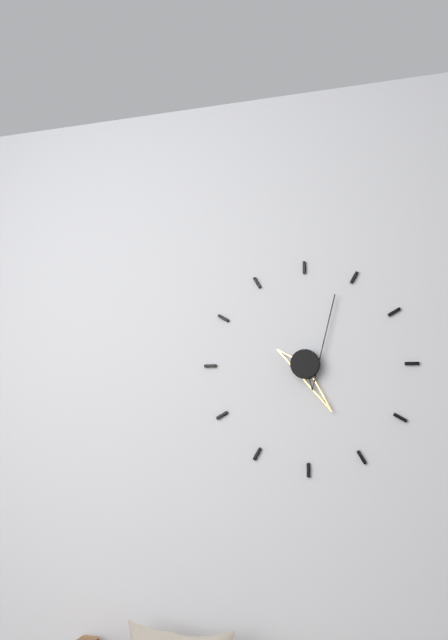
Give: 5:04
